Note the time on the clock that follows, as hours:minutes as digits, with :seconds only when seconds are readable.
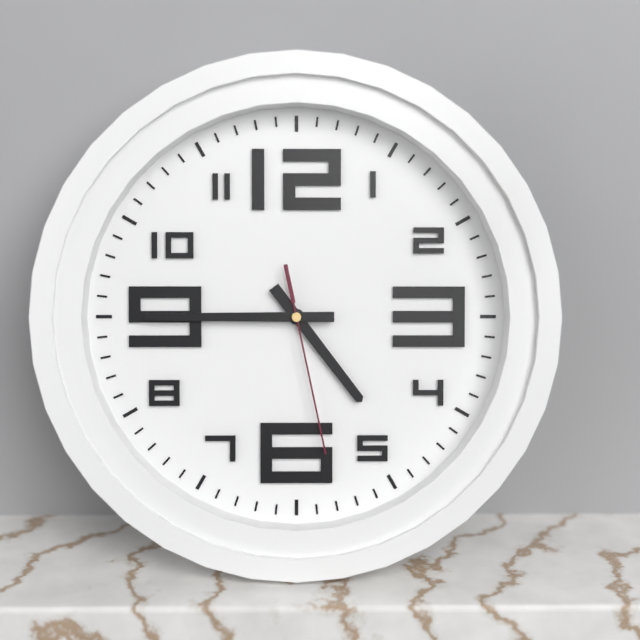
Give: 4:45:28
